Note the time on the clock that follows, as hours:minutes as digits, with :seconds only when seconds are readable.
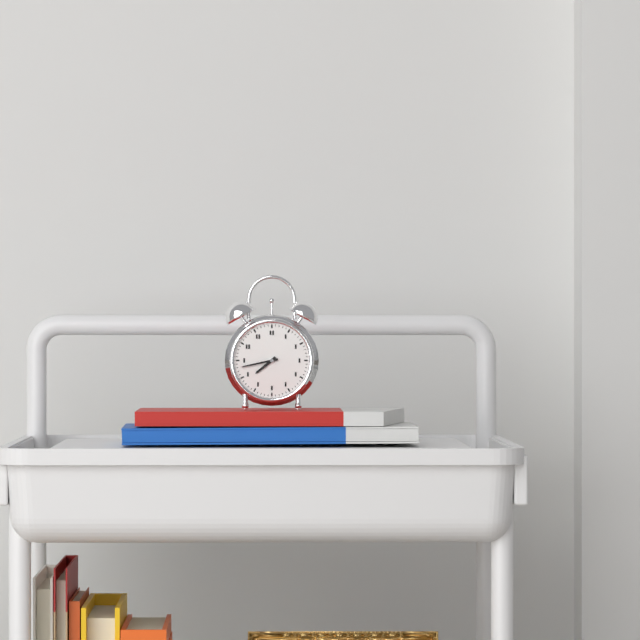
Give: 7:43
